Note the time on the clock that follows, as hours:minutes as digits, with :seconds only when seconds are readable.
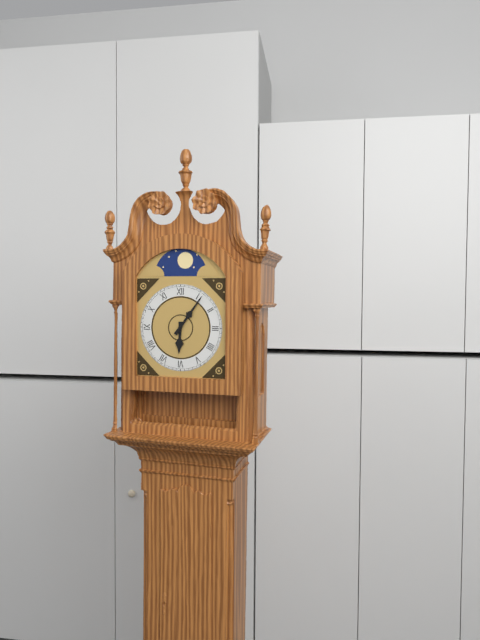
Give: 6:06
